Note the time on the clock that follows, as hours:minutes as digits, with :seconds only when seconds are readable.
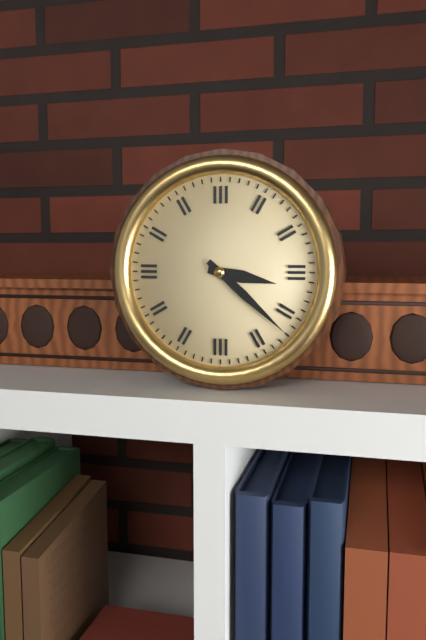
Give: 3:22
